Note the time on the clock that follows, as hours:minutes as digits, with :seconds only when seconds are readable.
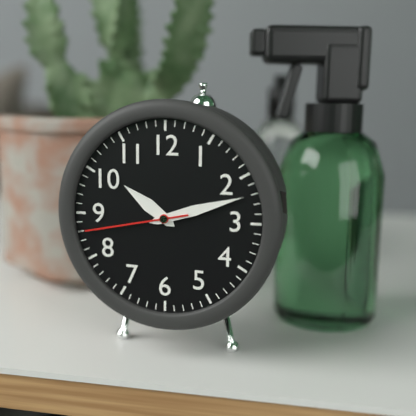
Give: 10:12:43
